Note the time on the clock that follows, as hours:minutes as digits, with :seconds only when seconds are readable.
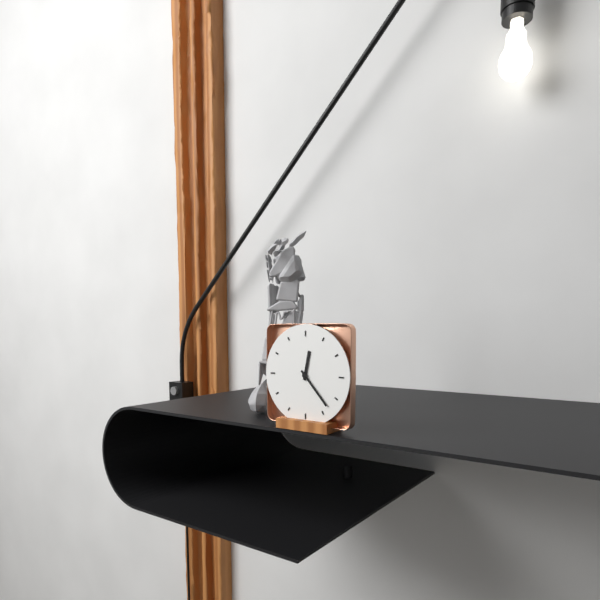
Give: 12:23
